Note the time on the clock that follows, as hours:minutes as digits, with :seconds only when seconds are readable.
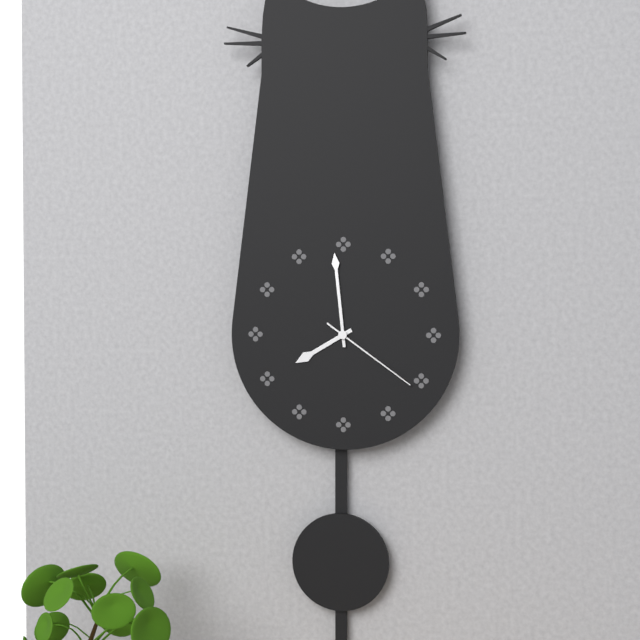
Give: 7:59:21
